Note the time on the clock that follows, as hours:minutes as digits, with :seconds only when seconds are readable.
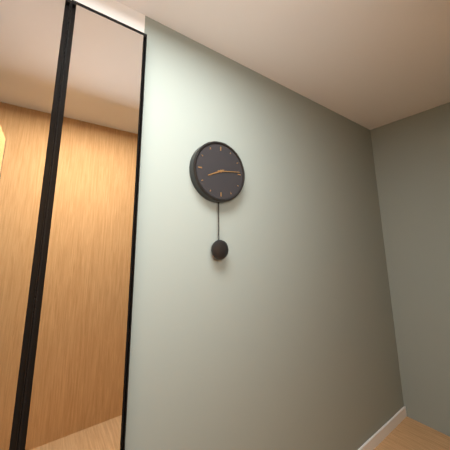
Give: 8:14
